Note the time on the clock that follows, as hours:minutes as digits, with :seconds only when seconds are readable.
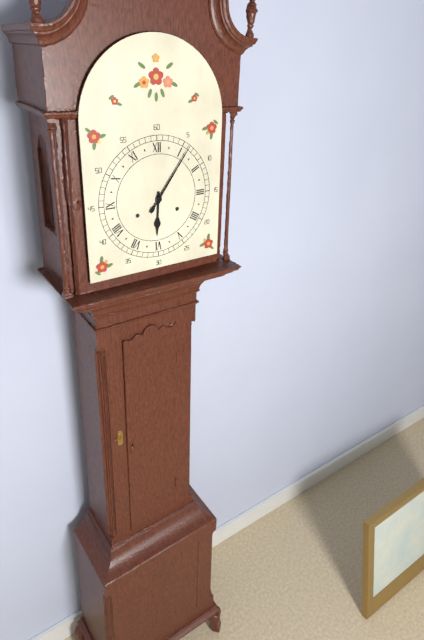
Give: 6:06
